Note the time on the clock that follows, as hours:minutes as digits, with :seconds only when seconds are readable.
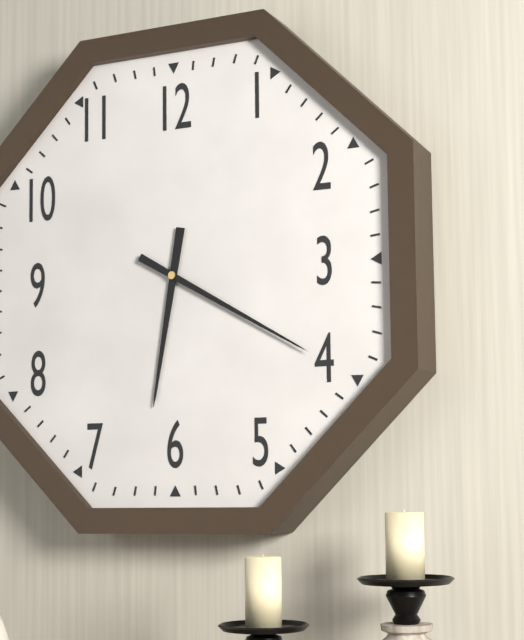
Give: 6:20
